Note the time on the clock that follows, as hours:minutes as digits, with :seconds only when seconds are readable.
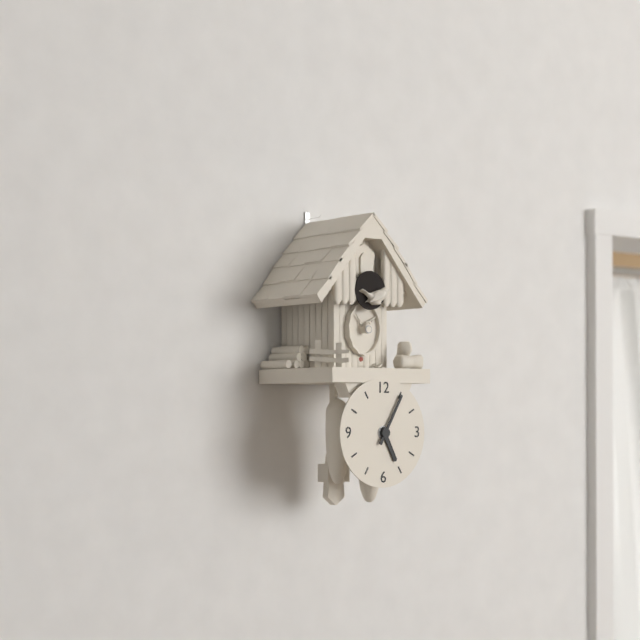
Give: 5:05
